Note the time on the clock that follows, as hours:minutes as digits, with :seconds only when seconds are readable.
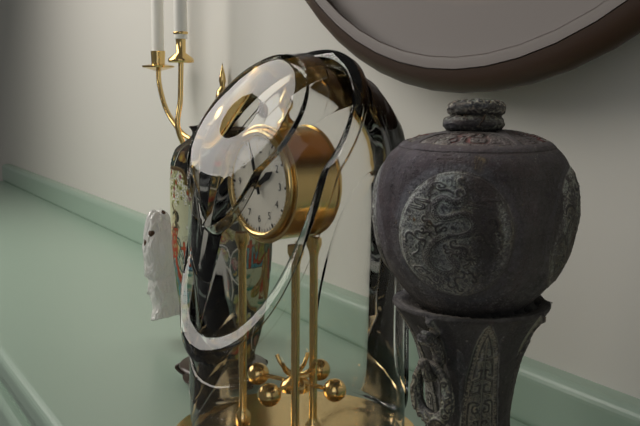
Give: 1:57
